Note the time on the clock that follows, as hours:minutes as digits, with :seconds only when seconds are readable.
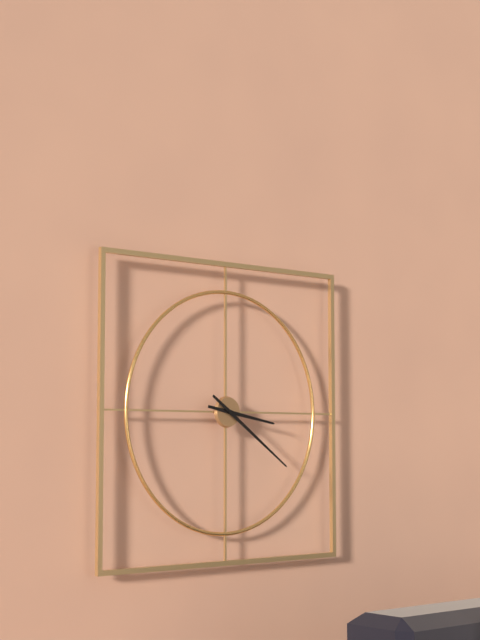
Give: 3:21
